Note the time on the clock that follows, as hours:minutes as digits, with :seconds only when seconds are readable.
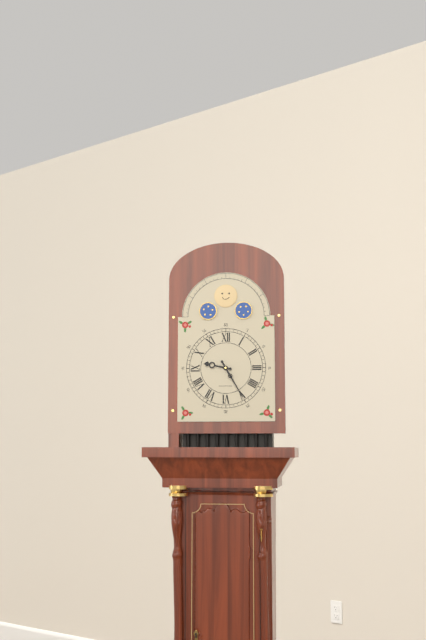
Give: 9:25
